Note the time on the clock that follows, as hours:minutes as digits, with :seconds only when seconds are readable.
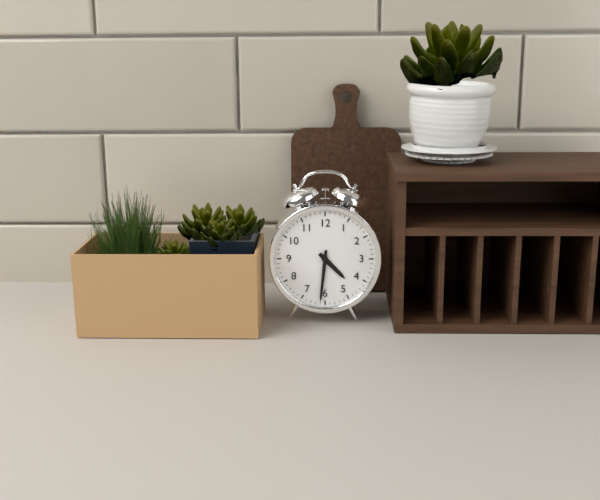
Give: 4:31
